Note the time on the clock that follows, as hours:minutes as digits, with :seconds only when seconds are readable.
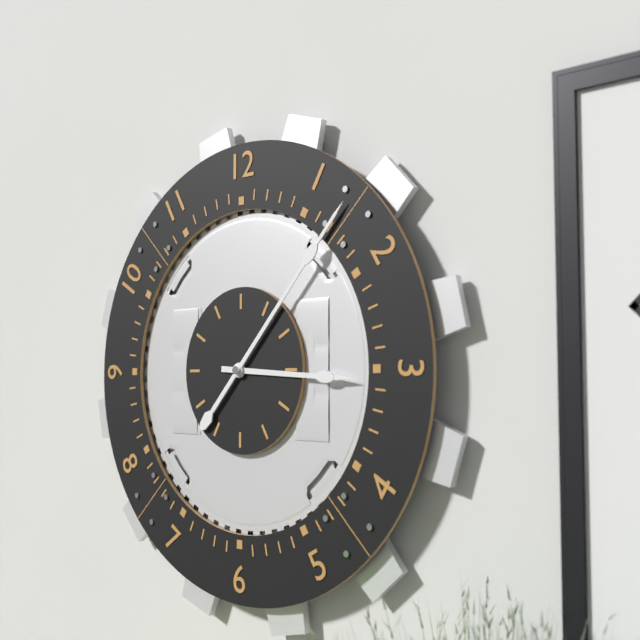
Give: 3:07
